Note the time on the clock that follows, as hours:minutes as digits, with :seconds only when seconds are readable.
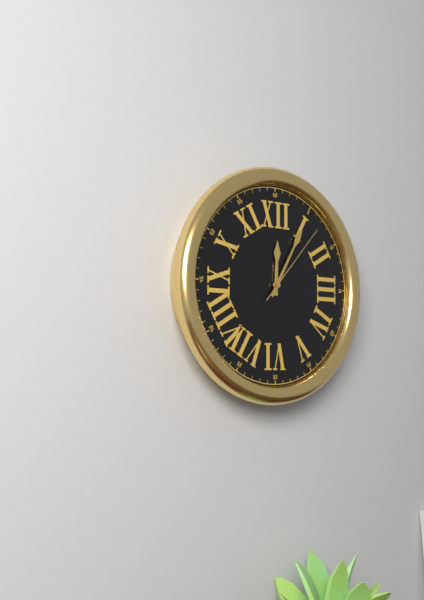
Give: 12:05:07
